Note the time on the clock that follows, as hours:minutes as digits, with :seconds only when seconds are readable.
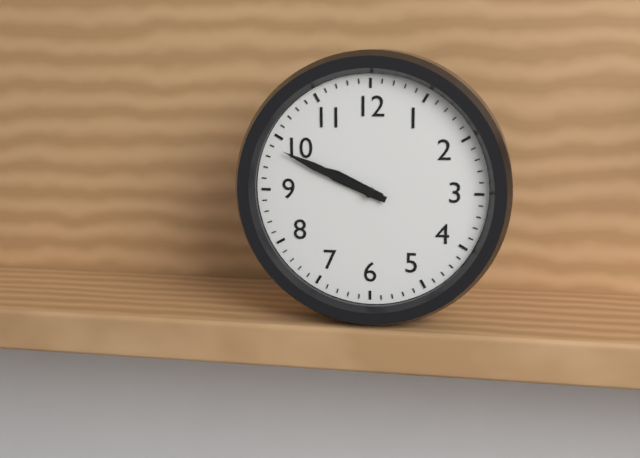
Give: 9:49
